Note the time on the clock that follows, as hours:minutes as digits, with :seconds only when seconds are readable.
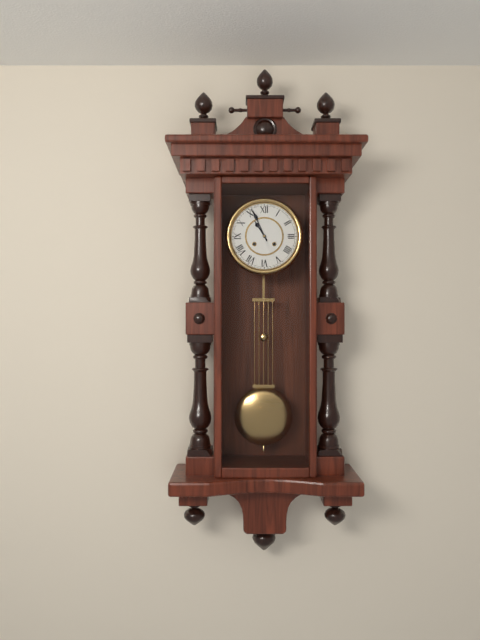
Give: 10:56
